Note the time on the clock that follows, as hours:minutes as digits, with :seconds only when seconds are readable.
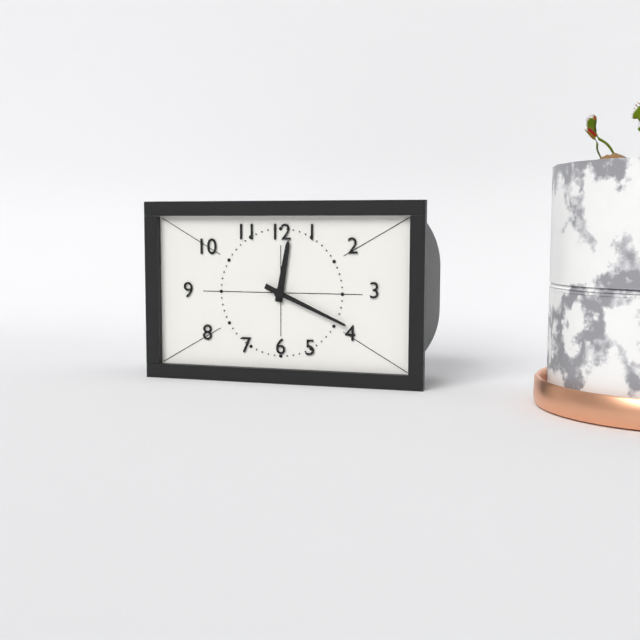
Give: 12:19
